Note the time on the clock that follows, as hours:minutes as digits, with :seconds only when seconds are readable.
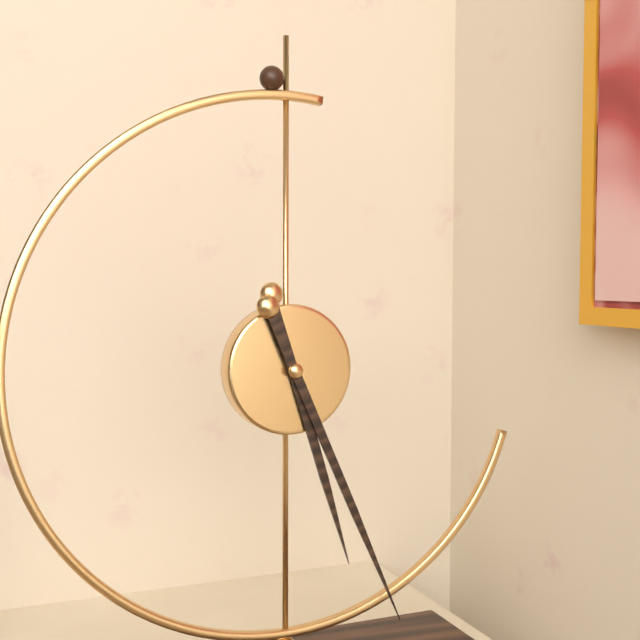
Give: 5:26
